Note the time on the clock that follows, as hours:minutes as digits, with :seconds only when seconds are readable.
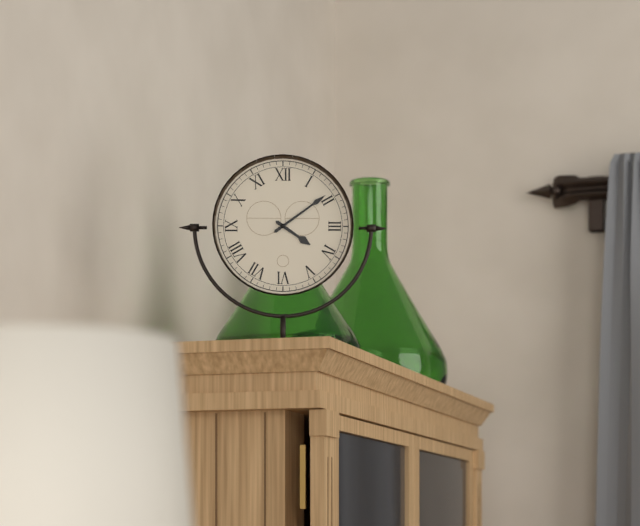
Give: 4:09
